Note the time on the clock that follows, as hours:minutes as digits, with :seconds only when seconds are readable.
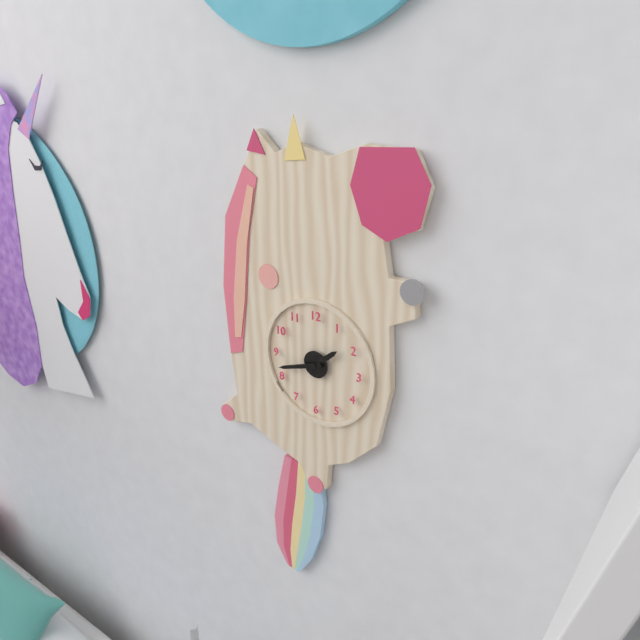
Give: 1:42
